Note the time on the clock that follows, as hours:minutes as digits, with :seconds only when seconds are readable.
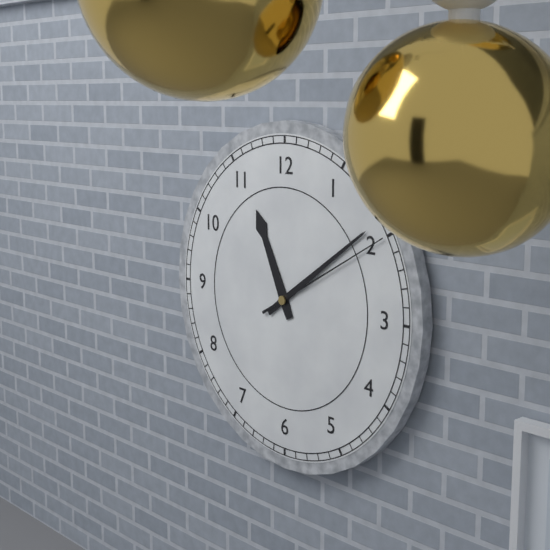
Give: 11:09:10
